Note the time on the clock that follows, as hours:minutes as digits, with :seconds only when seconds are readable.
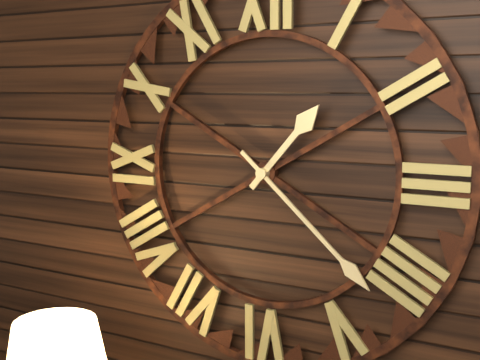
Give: 1:22
